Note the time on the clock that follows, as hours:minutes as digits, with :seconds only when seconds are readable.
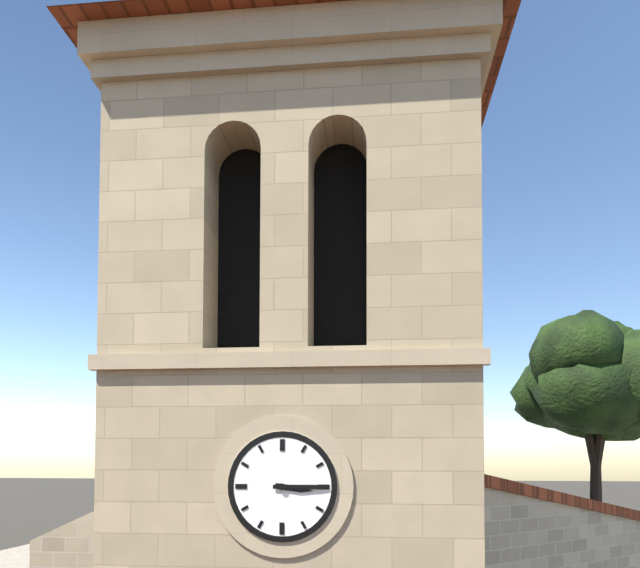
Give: 3:15
